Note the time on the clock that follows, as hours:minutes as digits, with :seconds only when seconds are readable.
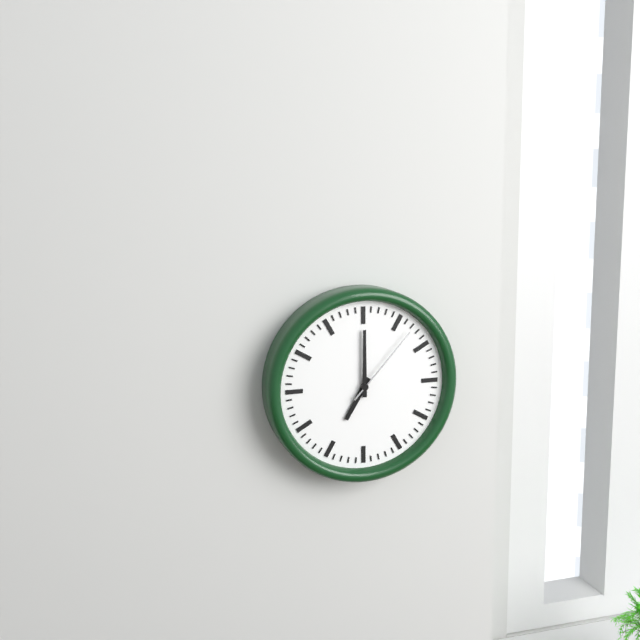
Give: 7:00:07
